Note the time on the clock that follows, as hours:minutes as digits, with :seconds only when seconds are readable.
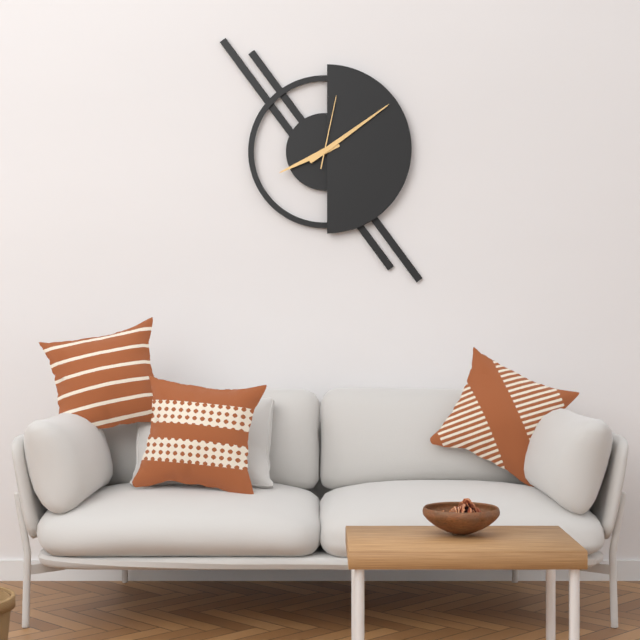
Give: 8:09:02
